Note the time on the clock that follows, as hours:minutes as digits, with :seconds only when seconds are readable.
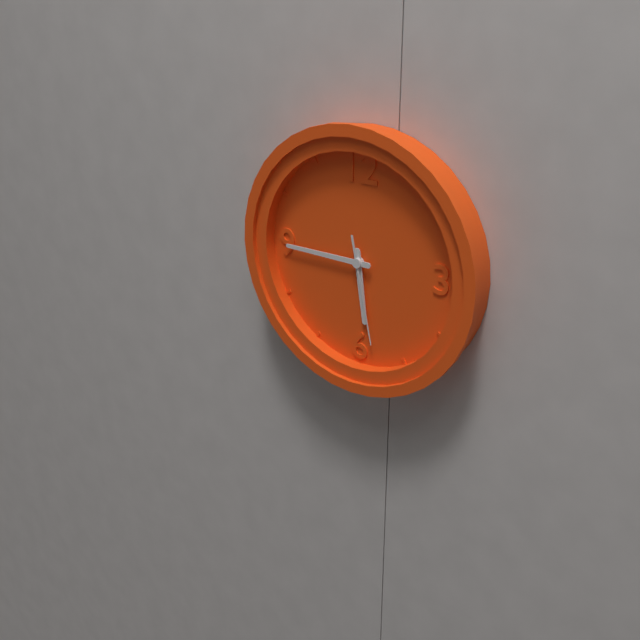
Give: 5:45:28
